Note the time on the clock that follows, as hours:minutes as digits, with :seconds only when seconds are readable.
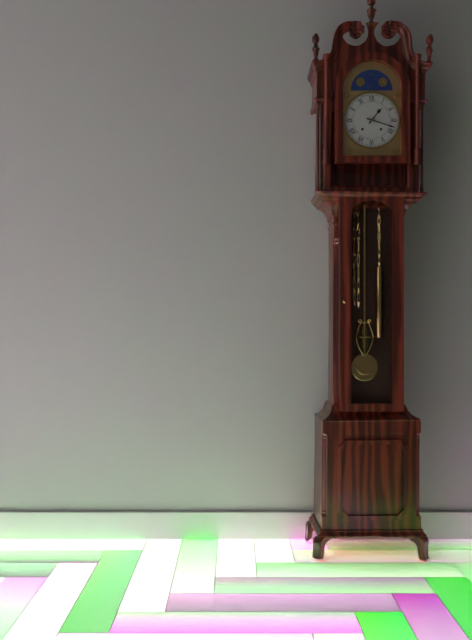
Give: 1:18
